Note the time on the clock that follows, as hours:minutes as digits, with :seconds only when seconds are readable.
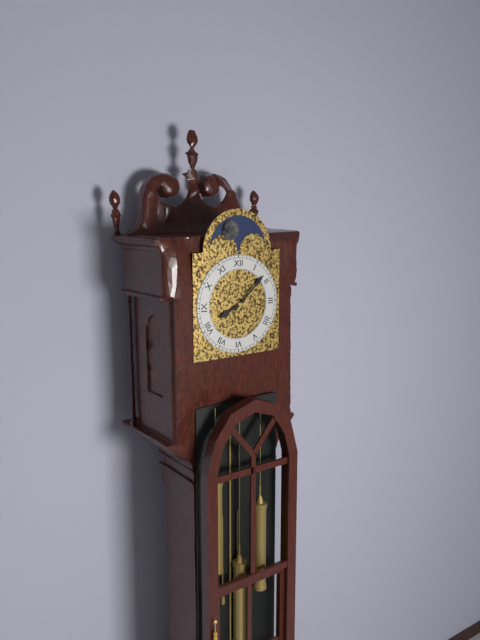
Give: 8:08
